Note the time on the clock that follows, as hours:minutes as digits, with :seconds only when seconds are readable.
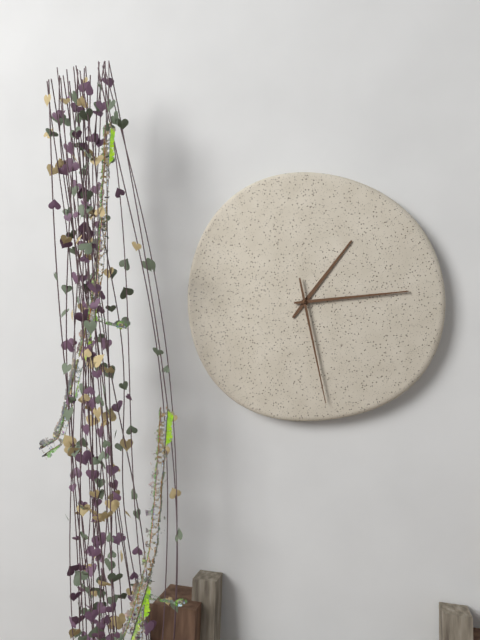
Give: 1:14:28
